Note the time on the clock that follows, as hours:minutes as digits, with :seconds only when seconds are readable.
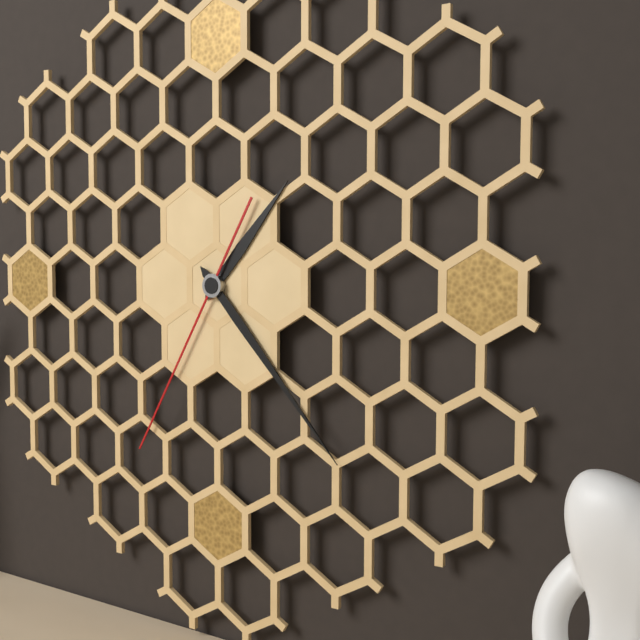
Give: 1:23:35
